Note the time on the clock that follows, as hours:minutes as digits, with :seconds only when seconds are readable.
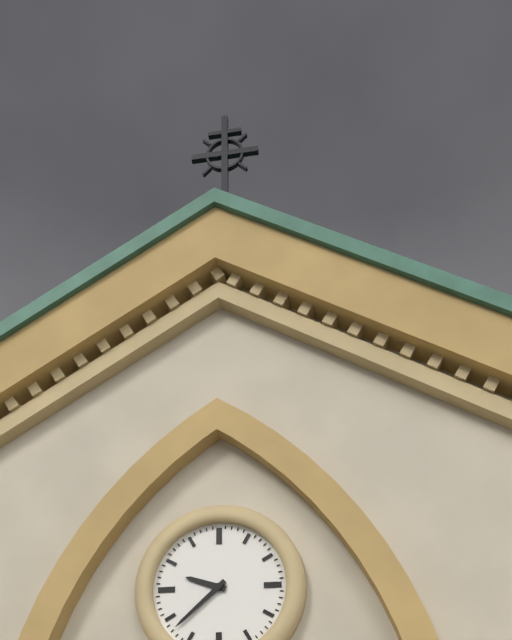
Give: 9:38
